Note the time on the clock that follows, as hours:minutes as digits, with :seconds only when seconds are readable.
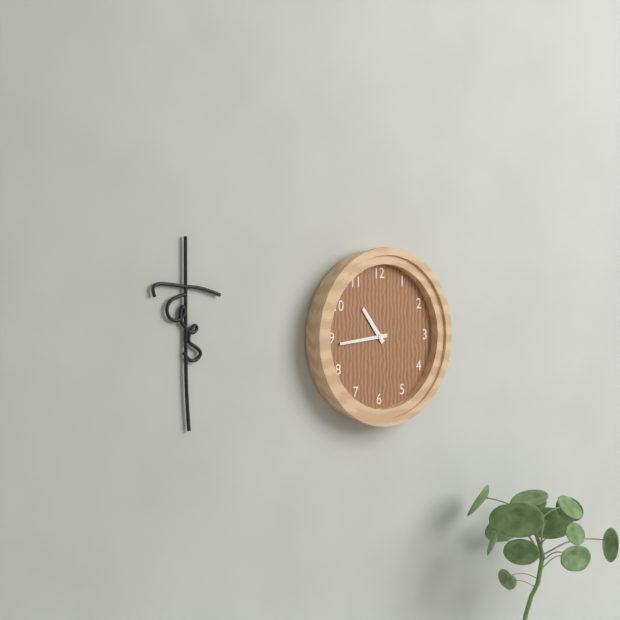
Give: 10:44
